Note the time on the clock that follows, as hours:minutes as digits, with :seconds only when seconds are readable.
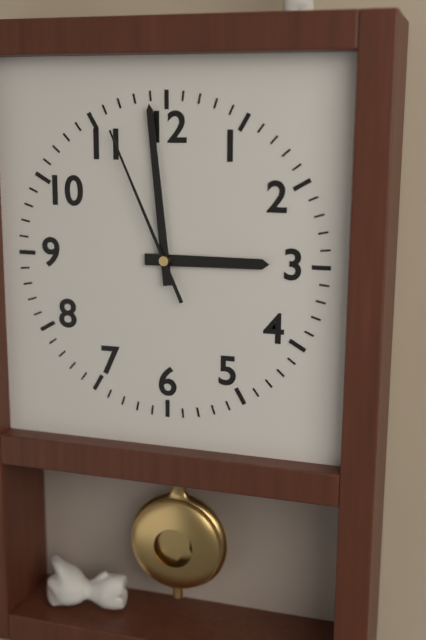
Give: 2:59:56
